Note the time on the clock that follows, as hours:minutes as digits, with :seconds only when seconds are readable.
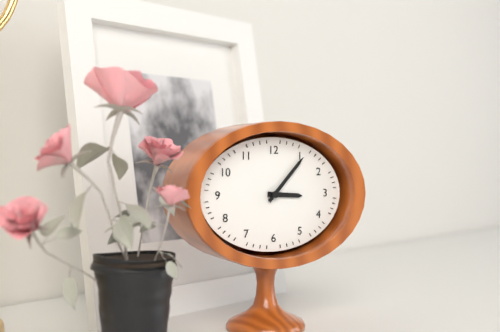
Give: 3:07
